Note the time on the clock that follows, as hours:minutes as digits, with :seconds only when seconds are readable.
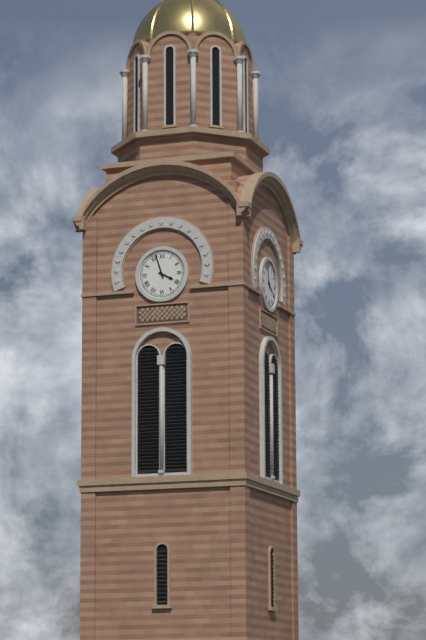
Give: 3:57
